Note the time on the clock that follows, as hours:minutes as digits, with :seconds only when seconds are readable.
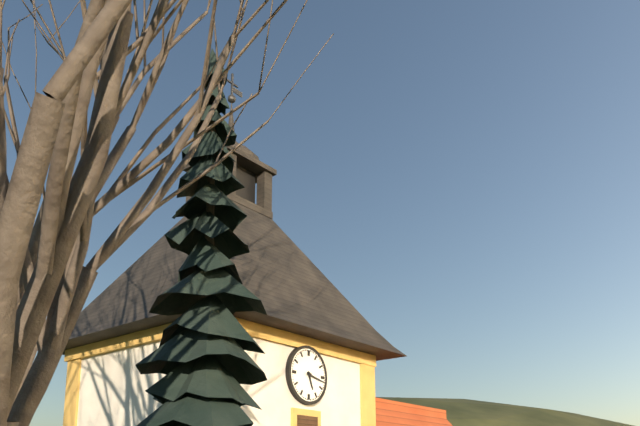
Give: 5:17
